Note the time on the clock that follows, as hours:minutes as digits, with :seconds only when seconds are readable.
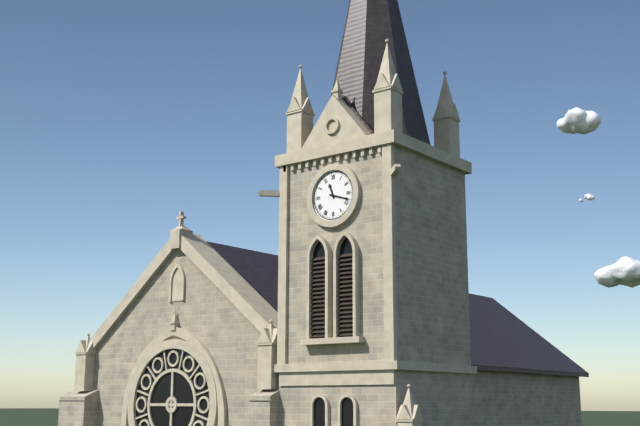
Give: 11:18
